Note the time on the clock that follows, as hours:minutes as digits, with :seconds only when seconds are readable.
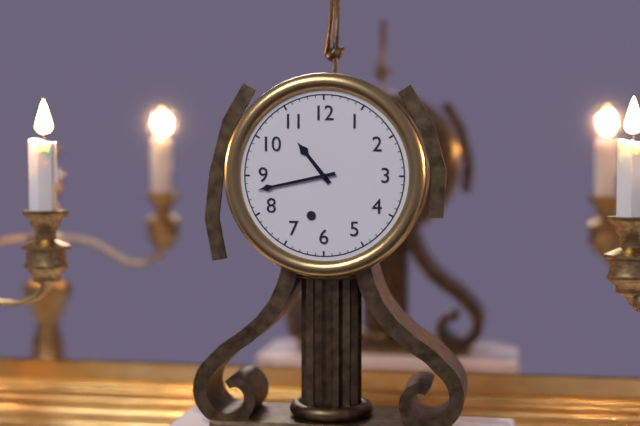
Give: 10:43
